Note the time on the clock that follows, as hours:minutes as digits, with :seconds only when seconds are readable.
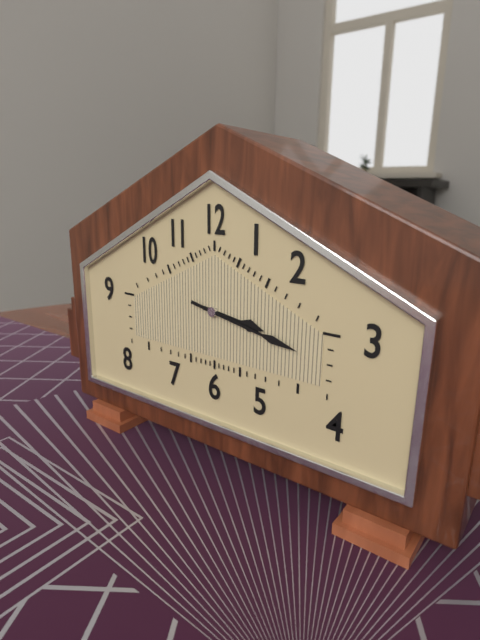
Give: 3:17
